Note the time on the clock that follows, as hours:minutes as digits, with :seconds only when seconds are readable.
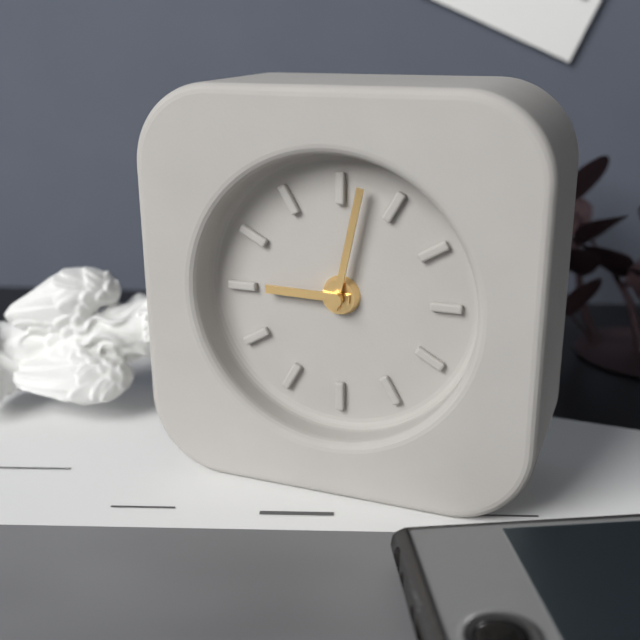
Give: 9:02
